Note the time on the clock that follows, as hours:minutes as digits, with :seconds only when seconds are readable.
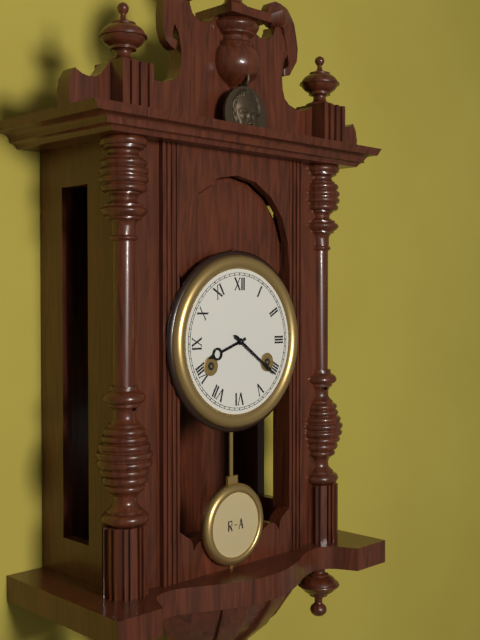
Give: 8:21
